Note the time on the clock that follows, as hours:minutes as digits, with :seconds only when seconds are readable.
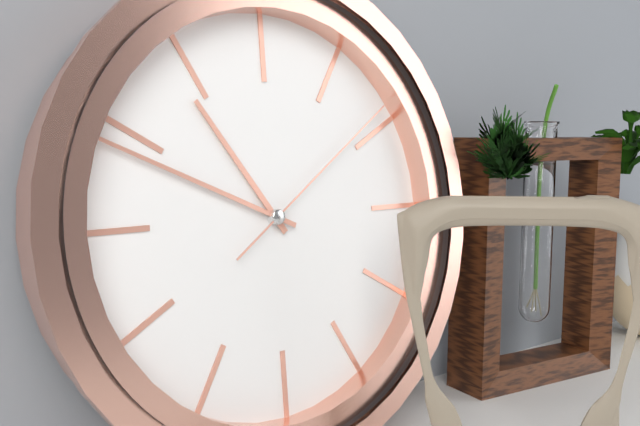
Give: 10:49:09
